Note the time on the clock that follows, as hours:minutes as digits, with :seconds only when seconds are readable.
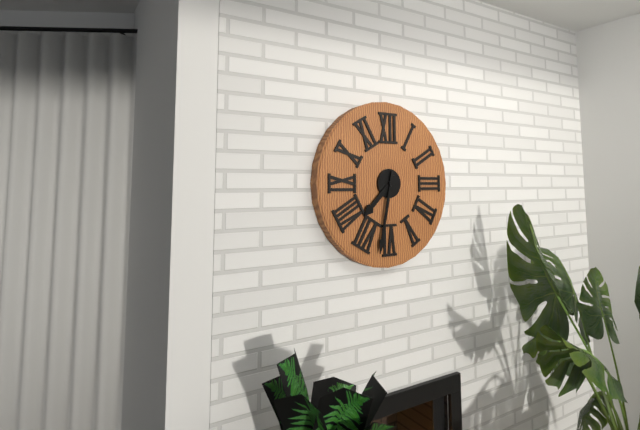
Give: 7:32
